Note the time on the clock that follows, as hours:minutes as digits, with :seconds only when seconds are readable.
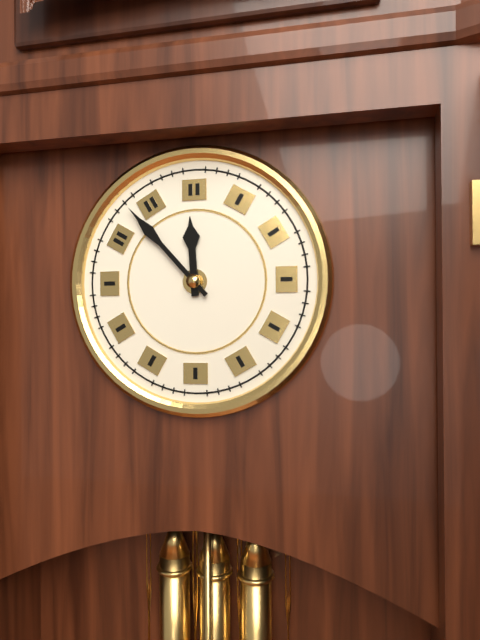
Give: 11:53
